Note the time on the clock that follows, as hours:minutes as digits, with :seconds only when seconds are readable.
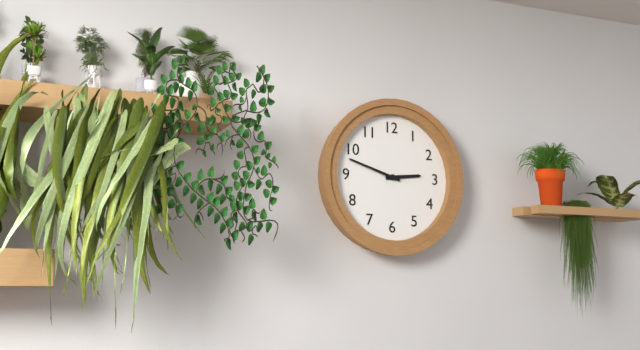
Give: 2:48
